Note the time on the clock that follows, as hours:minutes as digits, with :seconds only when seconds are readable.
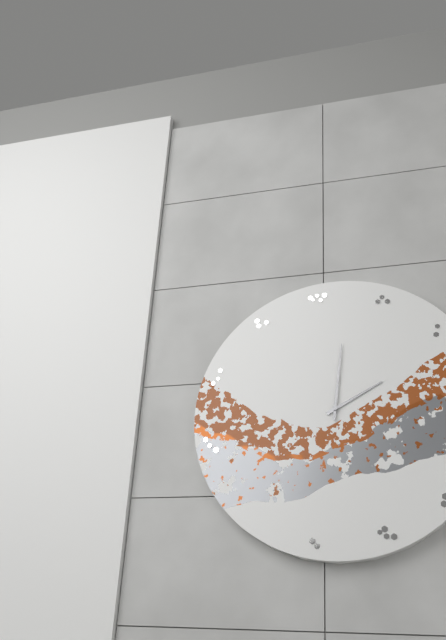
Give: 2:01
